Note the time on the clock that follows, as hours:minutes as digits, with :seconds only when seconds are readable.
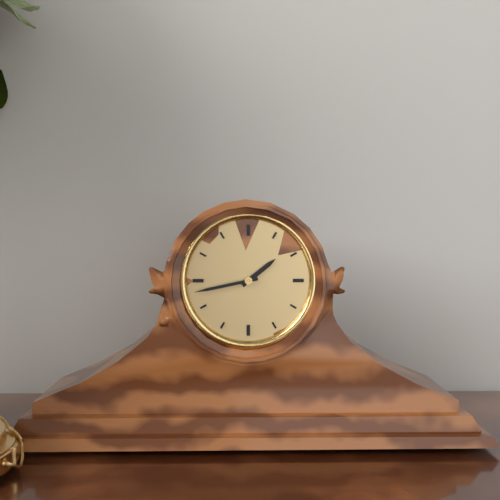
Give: 1:43
